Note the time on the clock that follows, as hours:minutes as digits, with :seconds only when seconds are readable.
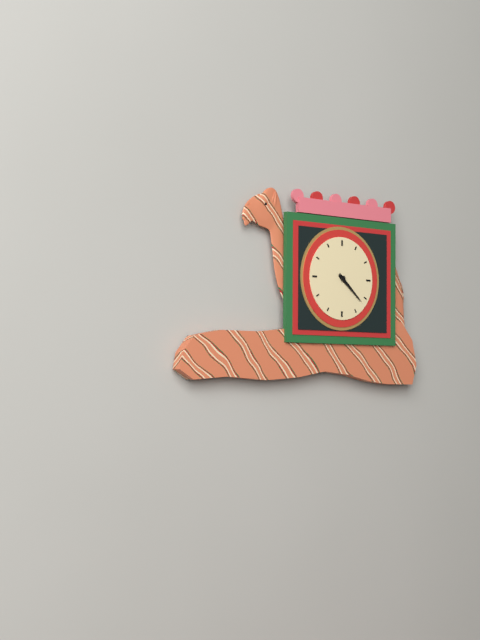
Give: 4:22
